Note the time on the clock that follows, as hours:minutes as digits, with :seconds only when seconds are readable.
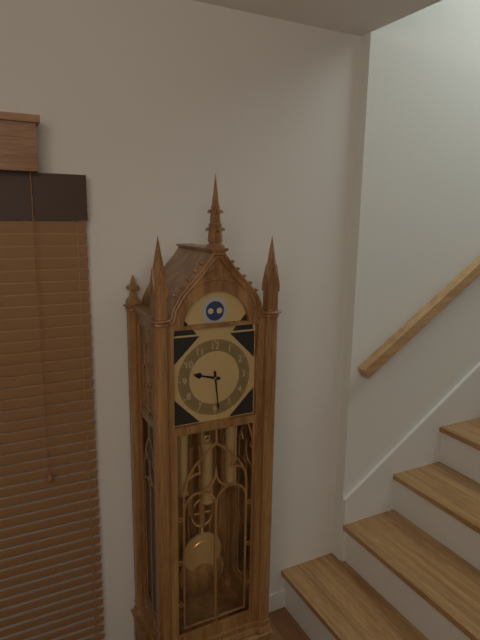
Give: 9:29
